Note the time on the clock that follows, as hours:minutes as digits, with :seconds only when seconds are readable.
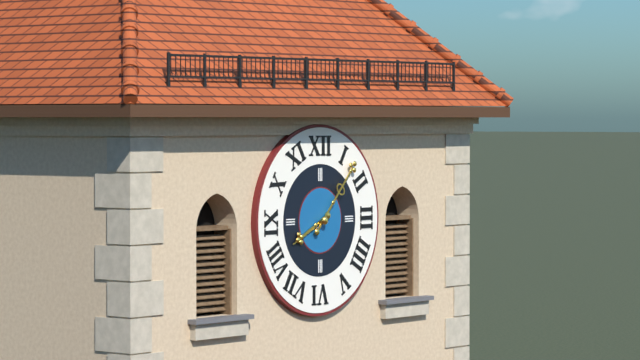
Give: 8:07
